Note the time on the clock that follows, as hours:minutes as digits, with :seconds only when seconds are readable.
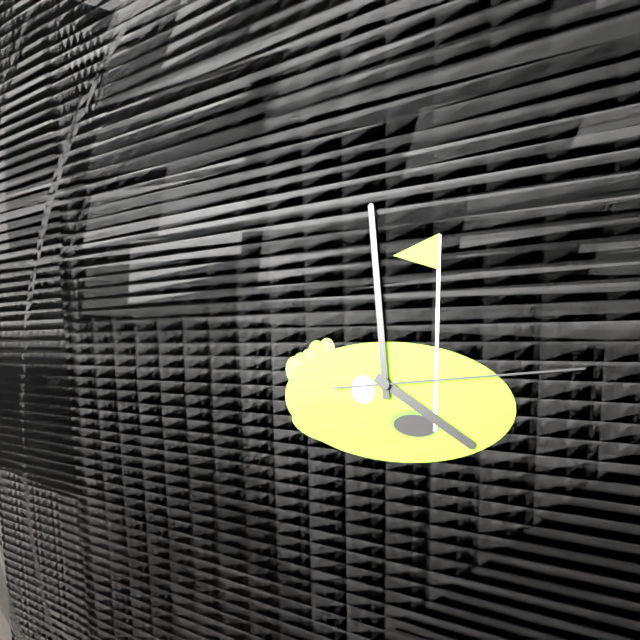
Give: 3:59:14
